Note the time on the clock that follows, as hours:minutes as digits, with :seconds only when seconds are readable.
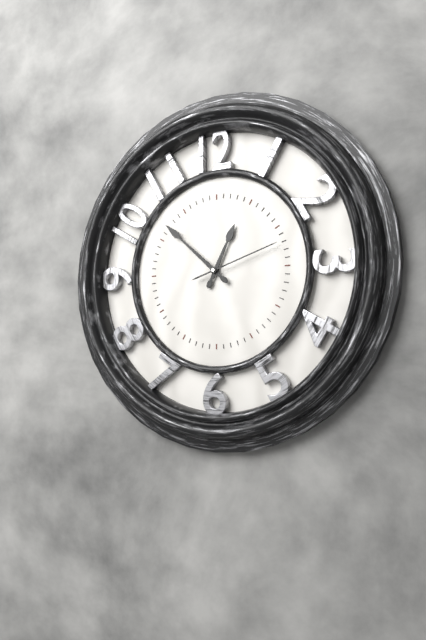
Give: 12:52:12
